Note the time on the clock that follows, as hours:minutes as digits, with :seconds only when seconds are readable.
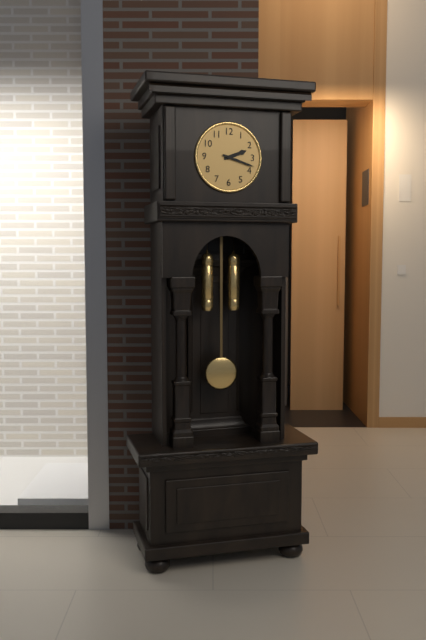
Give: 2:18
